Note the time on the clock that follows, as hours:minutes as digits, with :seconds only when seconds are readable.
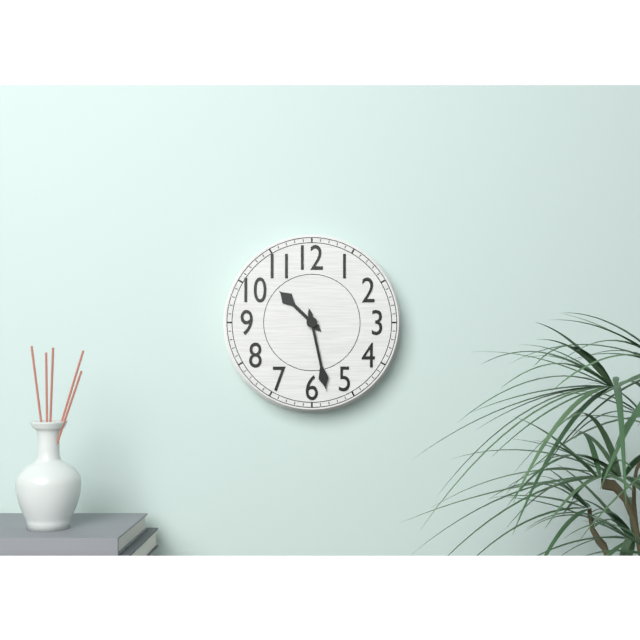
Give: 10:28
